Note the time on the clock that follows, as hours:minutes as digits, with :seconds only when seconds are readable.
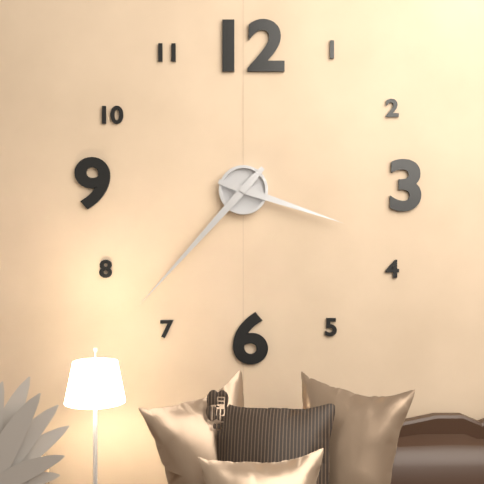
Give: 3:37
